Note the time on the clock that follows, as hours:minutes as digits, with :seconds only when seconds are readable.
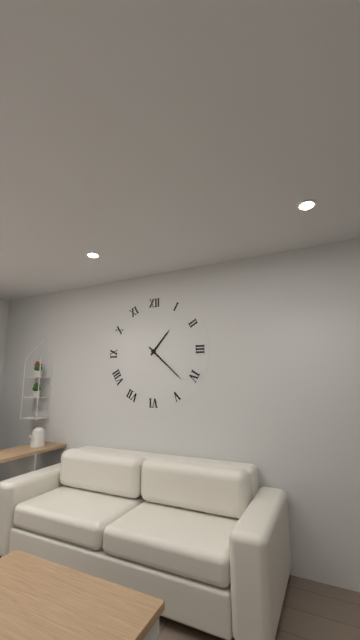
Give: 1:22
